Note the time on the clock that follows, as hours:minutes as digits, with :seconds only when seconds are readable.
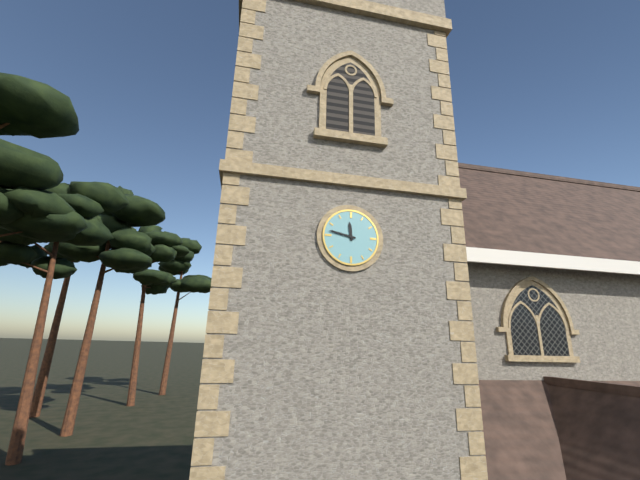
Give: 11:47
